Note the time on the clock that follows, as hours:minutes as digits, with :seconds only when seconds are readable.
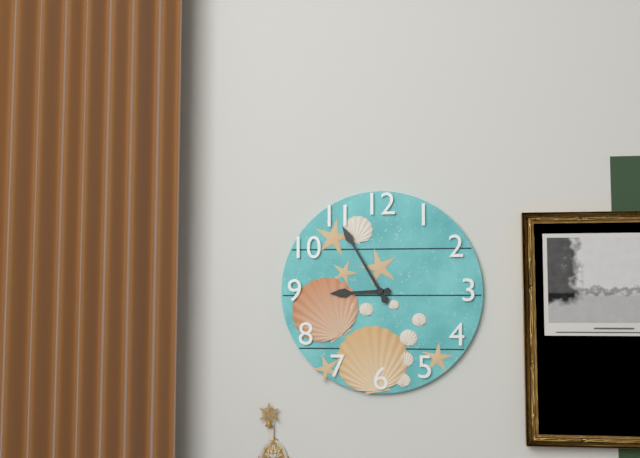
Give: 8:55
